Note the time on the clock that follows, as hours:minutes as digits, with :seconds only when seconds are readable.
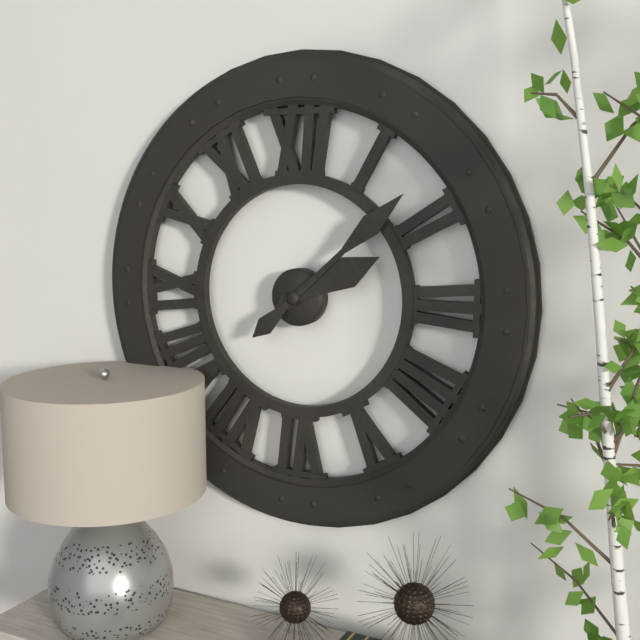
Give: 2:08
